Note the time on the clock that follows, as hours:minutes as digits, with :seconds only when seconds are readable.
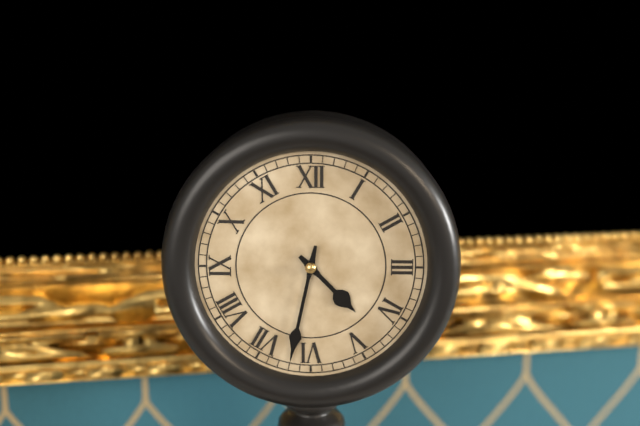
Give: 4:32
